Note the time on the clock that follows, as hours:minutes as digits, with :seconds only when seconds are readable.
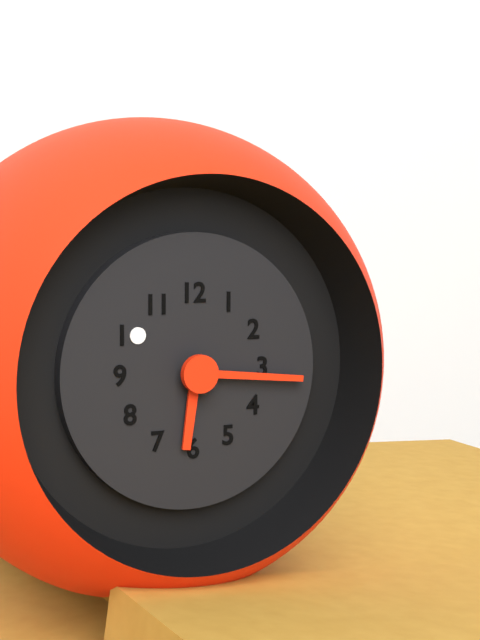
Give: 6:16
